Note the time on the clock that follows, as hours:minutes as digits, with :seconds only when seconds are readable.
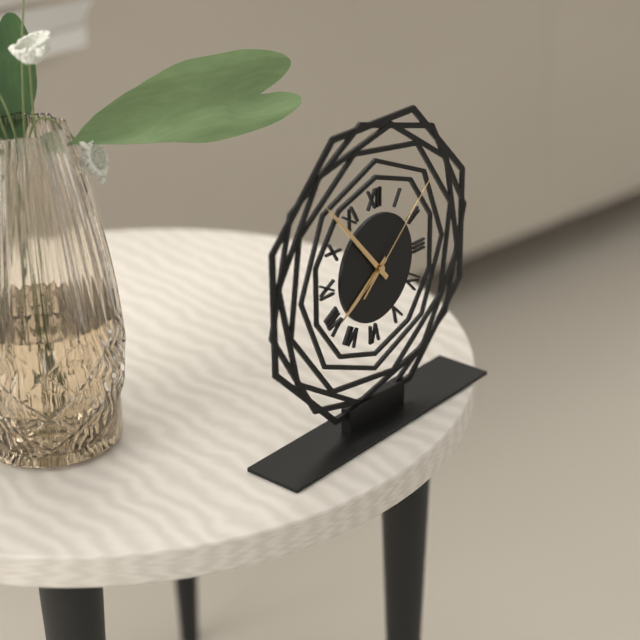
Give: 7:53:08
